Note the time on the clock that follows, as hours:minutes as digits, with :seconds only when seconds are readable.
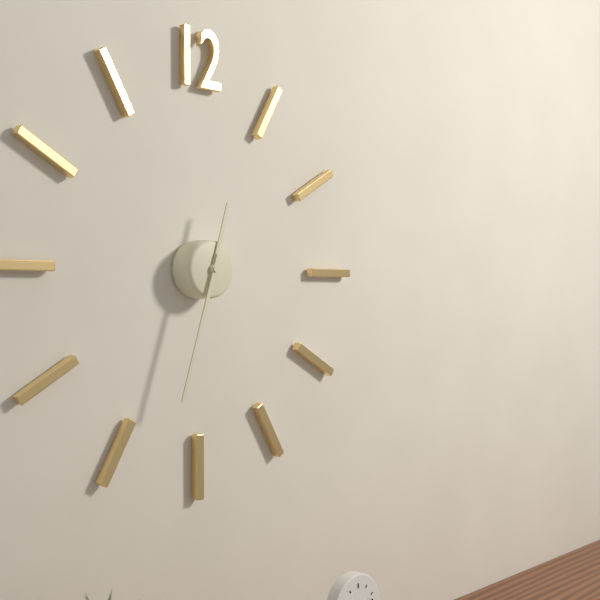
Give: 12:33
